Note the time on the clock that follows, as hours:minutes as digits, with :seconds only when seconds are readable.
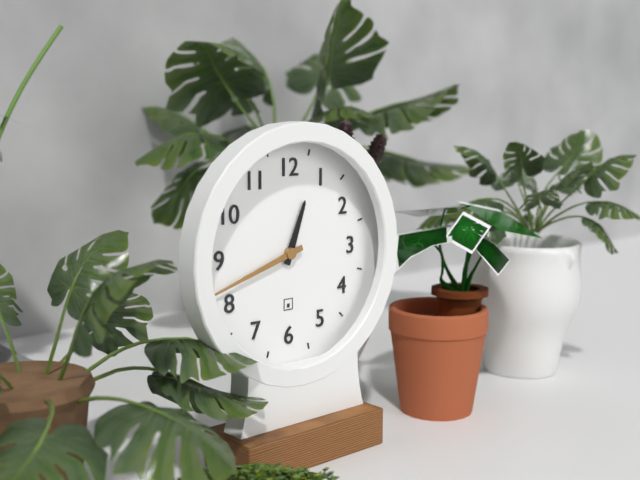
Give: 12:42
